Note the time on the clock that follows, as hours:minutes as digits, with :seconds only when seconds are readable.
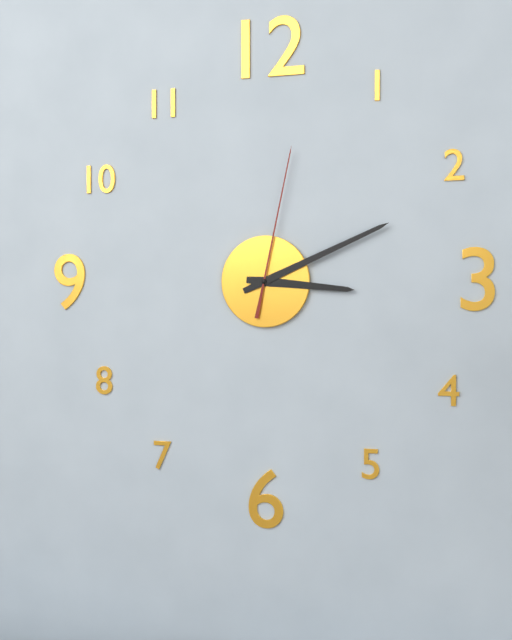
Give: 3:11:02
